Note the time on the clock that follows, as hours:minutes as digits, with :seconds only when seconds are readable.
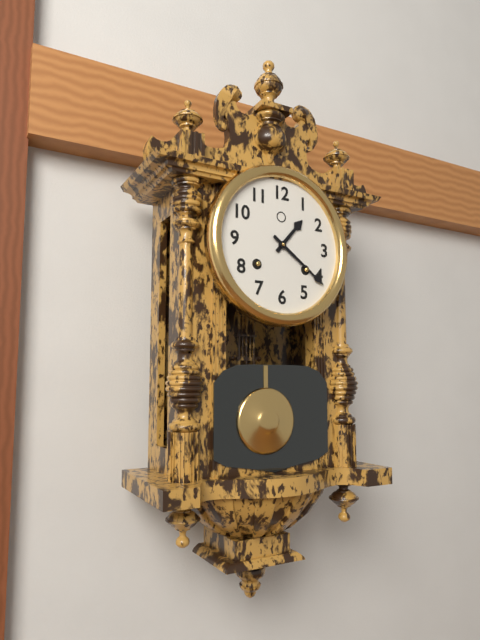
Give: 1:21
